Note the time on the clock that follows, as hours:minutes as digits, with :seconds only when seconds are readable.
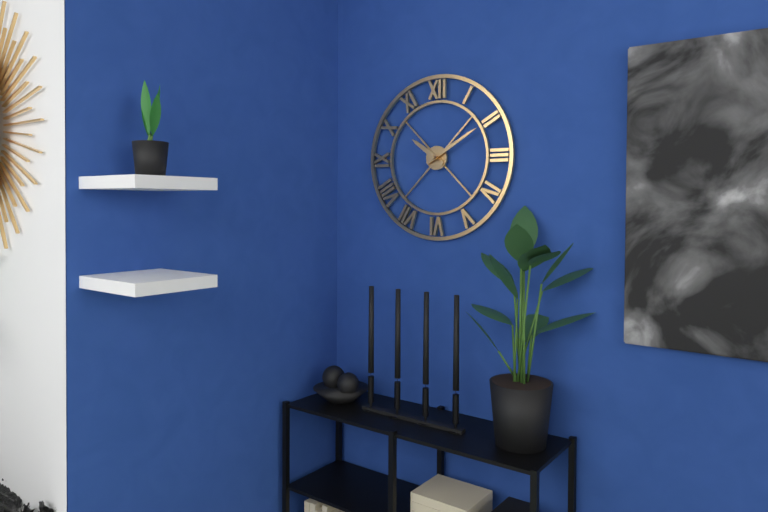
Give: 10:10
